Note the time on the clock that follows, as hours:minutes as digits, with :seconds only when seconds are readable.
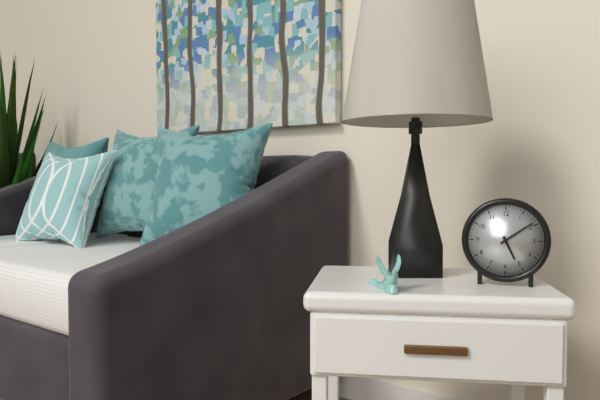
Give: 5:09
